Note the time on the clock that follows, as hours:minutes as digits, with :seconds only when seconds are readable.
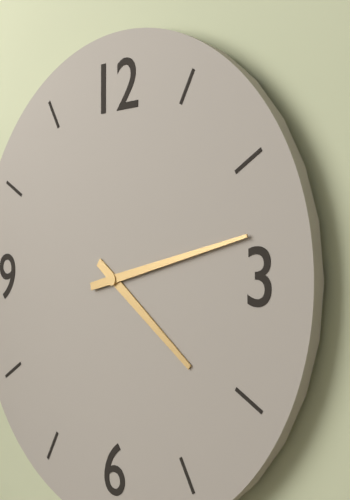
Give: 4:13
